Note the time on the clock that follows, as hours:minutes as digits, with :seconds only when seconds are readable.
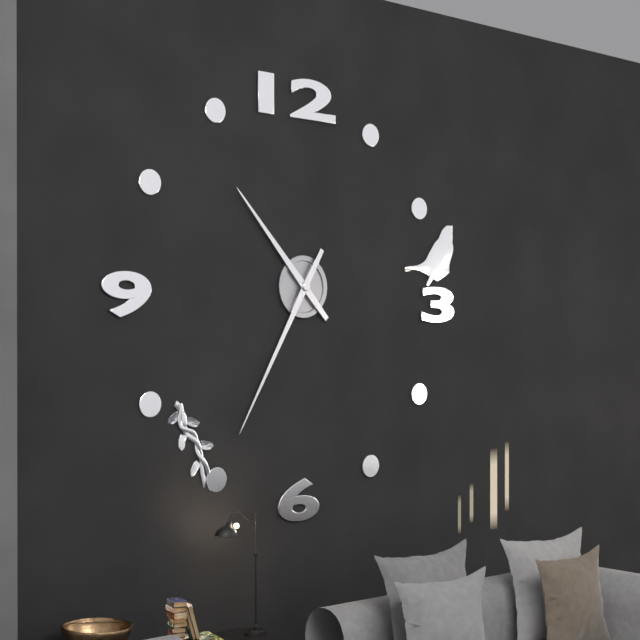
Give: 10:35
